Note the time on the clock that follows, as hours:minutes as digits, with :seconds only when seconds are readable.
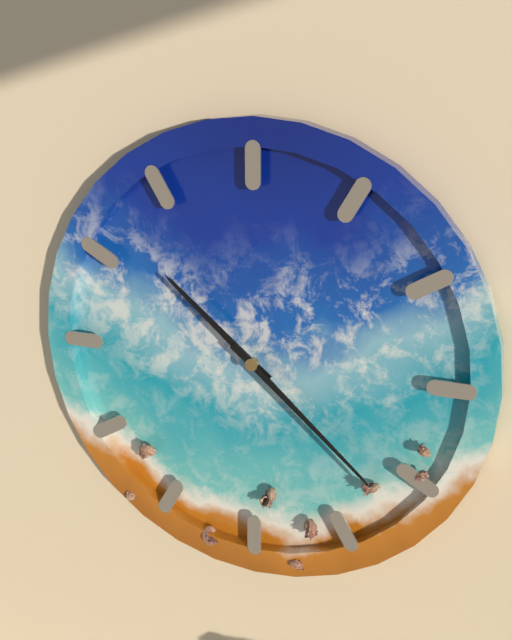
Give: 10:22
